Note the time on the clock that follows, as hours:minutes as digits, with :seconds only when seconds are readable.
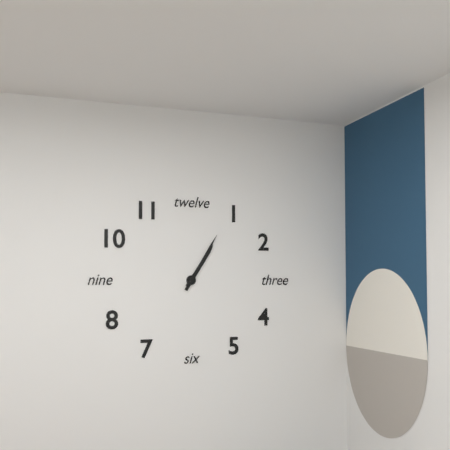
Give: 1:05
